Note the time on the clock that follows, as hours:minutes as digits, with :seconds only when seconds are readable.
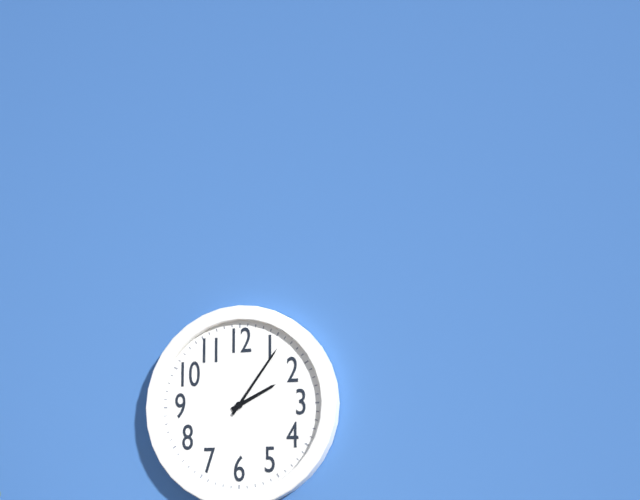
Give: 2:06
